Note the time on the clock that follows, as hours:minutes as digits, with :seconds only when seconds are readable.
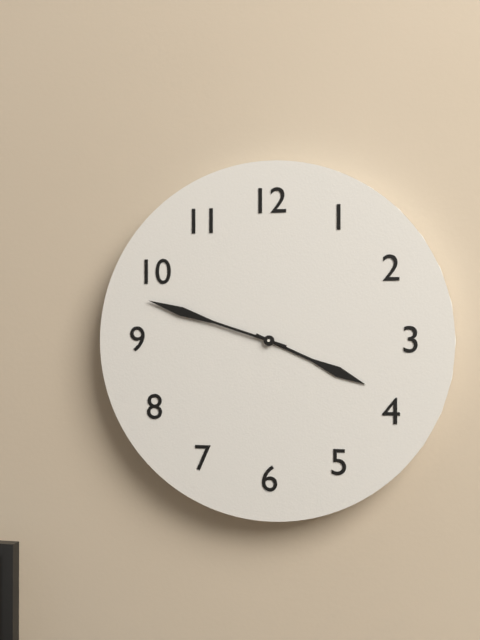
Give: 3:48
